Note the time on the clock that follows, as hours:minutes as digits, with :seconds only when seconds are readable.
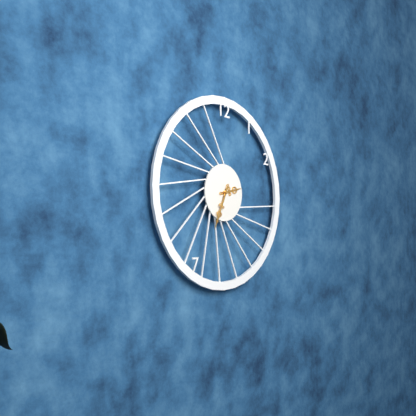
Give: 2:34
